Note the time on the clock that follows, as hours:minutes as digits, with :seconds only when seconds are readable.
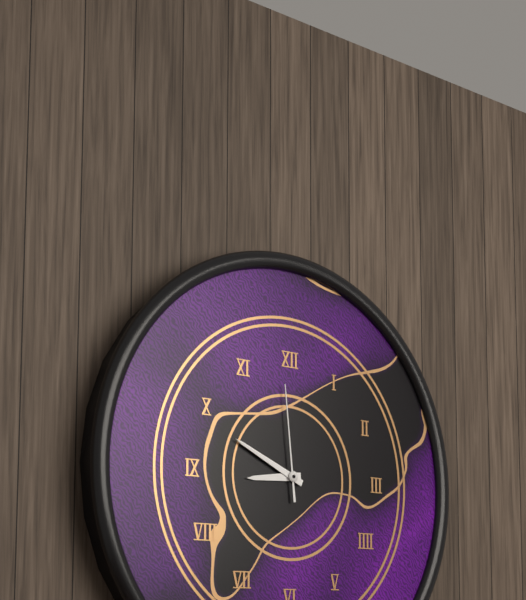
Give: 8:49:59
